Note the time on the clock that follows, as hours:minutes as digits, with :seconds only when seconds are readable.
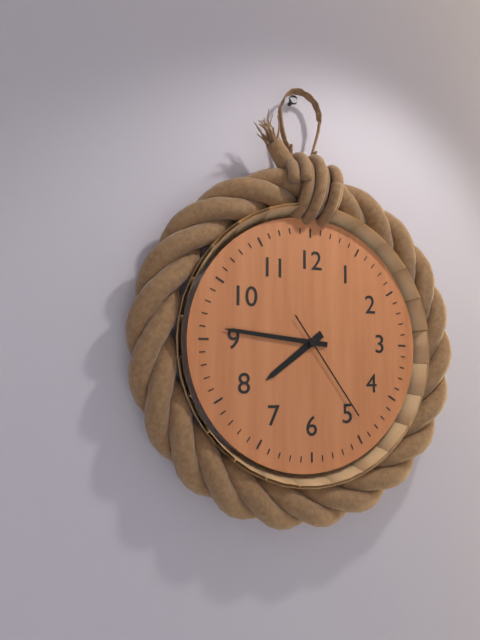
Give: 7:46:24
